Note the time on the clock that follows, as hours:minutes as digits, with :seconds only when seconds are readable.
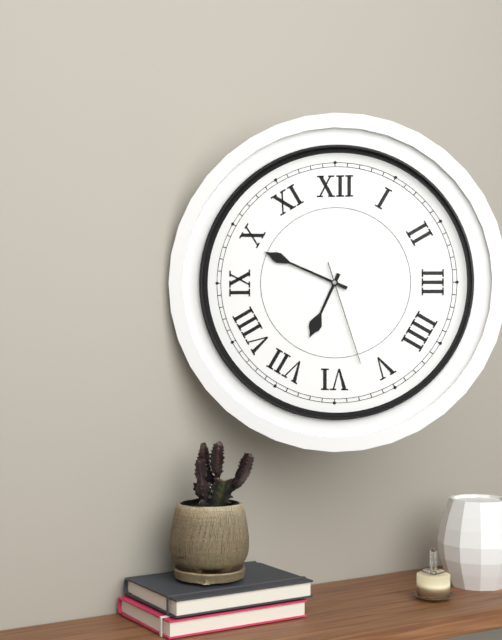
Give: 6:49:27
